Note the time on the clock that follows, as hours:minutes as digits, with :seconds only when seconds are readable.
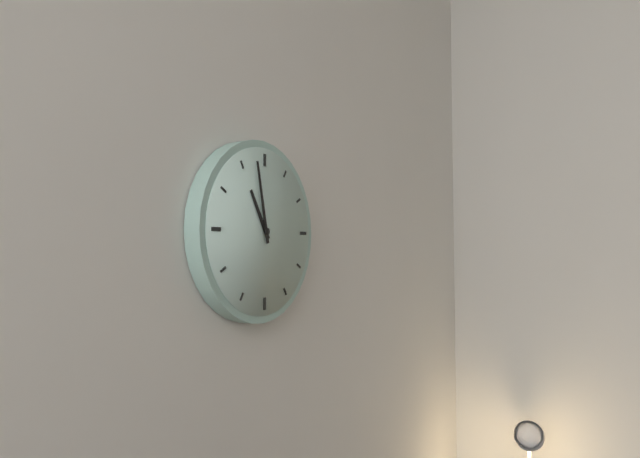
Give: 10:58
